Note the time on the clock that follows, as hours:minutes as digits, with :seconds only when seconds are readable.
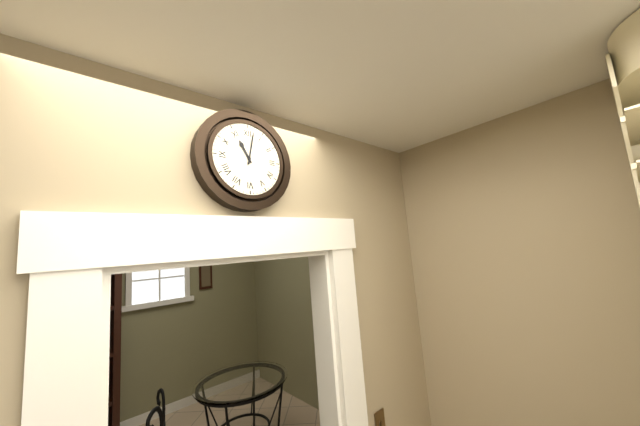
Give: 11:02
